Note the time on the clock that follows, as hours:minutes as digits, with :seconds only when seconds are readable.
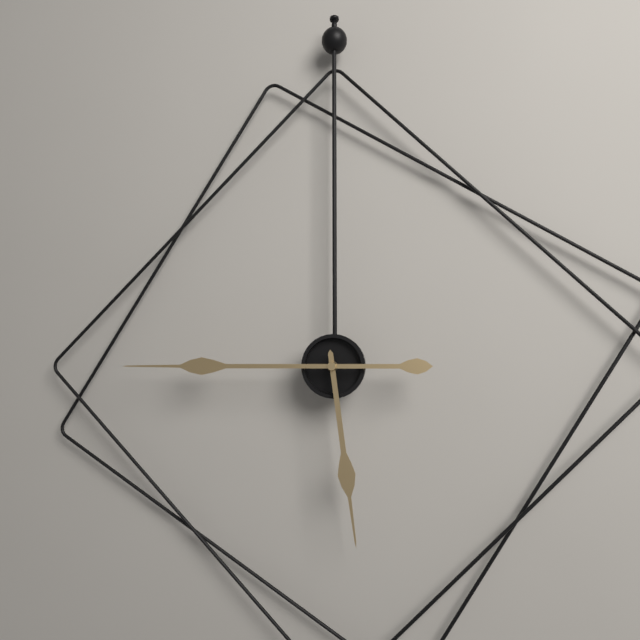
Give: 5:45
